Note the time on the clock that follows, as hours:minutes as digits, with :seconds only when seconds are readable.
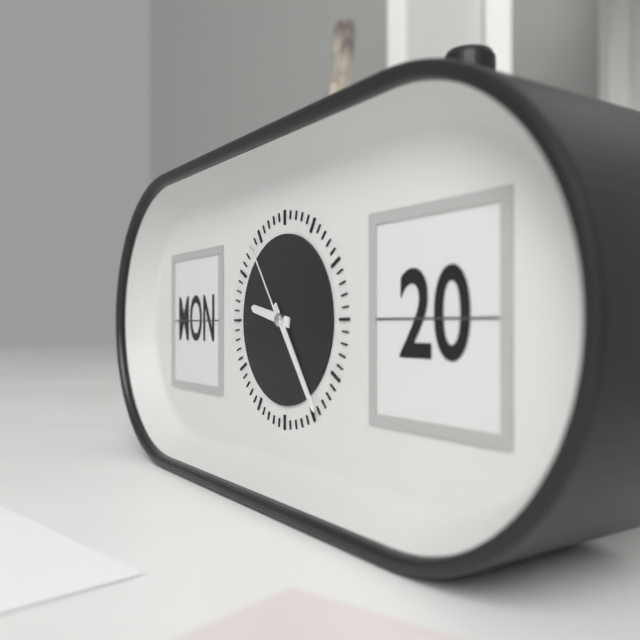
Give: 9:24:54
